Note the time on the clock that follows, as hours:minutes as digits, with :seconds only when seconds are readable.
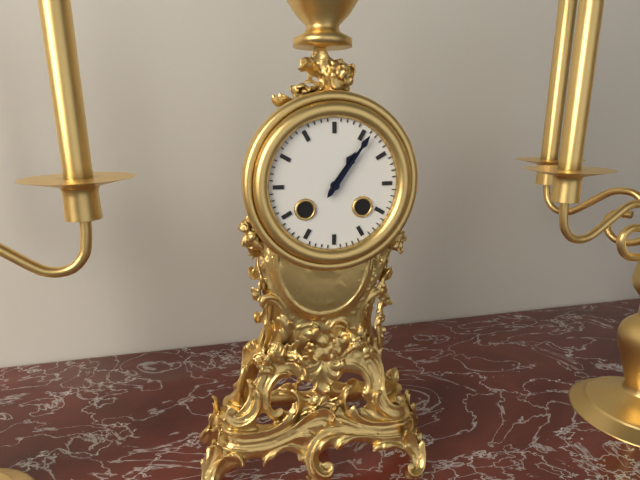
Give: 1:06
